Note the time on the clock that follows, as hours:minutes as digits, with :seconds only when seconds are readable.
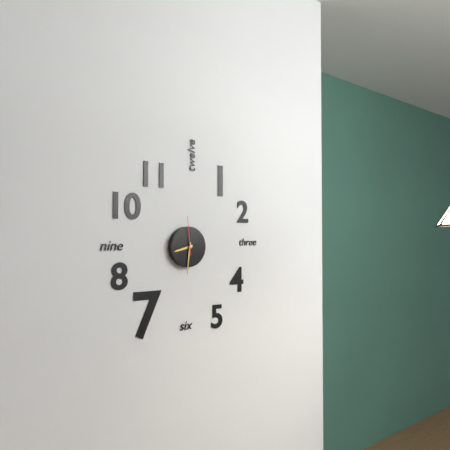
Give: 8:31
